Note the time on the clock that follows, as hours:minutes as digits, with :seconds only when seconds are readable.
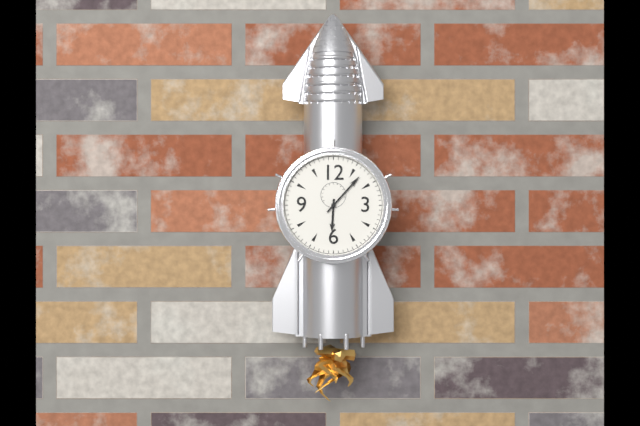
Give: 6:07
